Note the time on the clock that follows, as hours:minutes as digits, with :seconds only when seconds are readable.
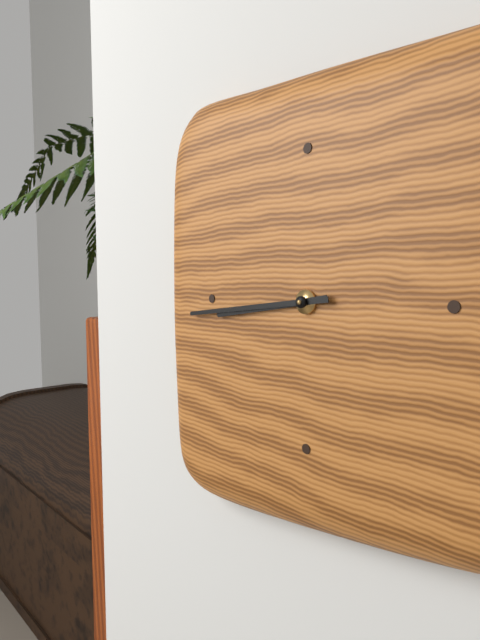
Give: 8:44
